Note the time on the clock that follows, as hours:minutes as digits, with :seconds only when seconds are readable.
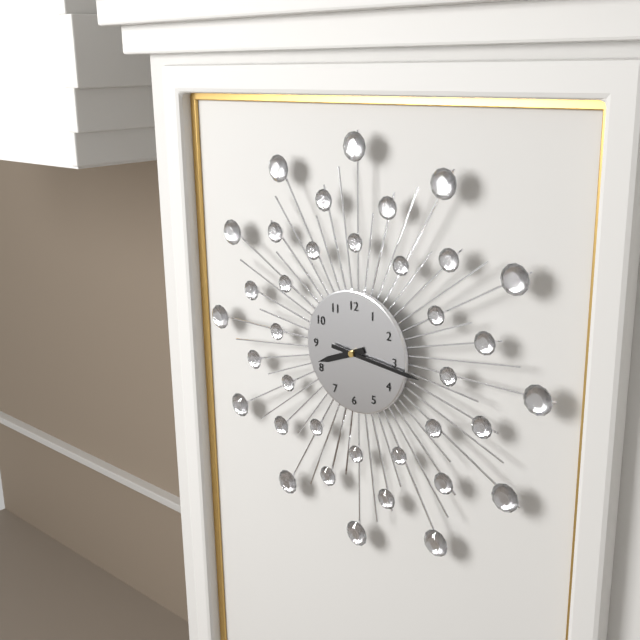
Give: 8:16
